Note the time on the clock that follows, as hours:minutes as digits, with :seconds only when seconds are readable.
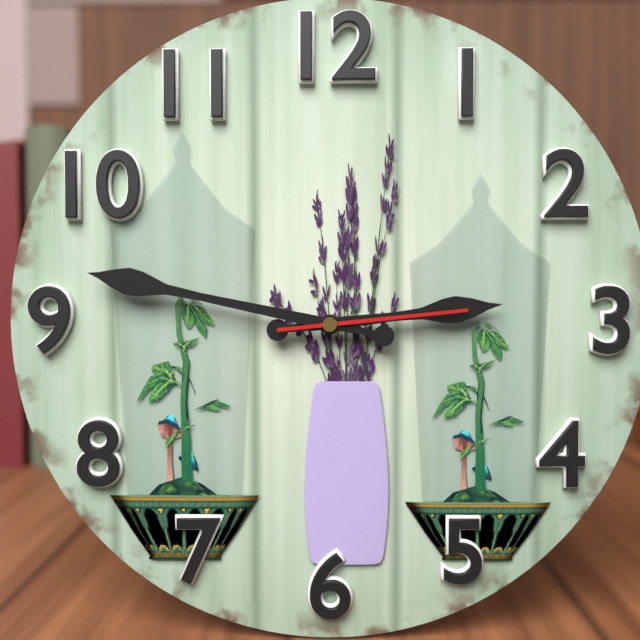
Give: 2:47:14
